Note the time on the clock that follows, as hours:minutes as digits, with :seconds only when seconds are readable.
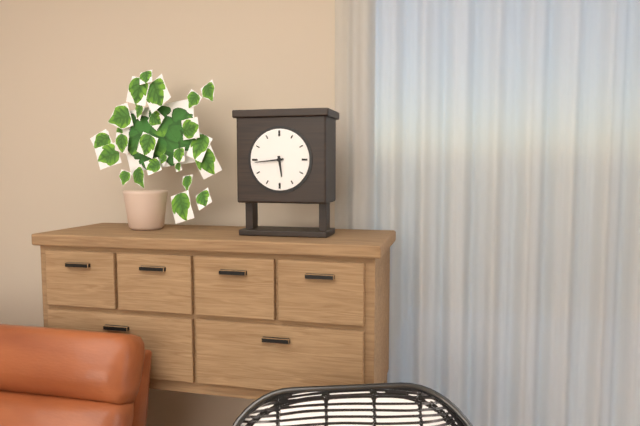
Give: 5:44
